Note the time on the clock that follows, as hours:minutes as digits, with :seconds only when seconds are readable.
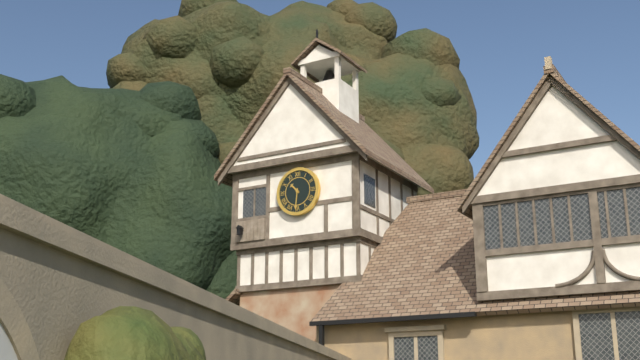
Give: 10:31
